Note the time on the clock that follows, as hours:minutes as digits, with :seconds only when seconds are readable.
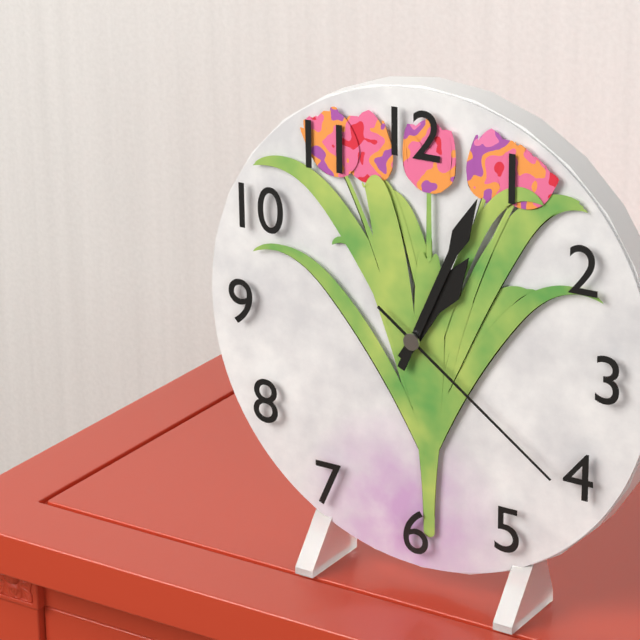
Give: 1:04:21
